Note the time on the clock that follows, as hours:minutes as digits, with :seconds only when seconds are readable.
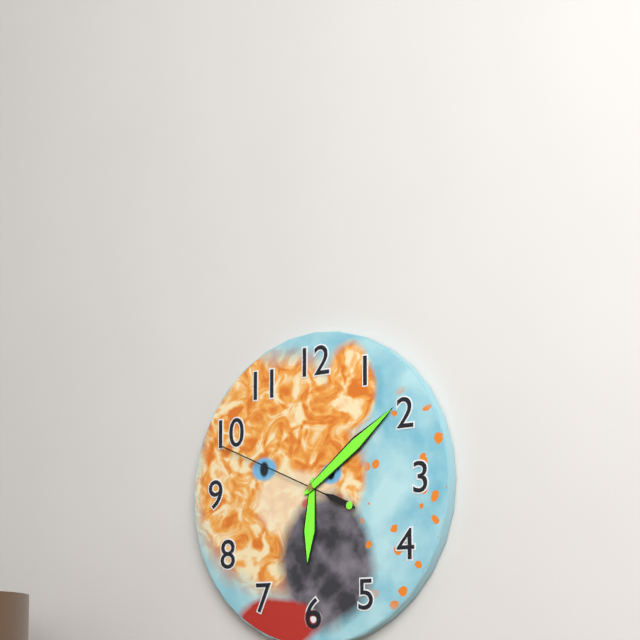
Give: 6:09:49
